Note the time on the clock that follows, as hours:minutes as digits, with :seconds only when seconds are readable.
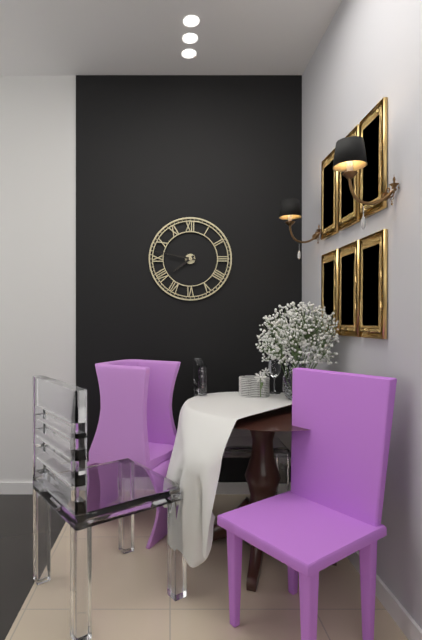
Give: 7:47
